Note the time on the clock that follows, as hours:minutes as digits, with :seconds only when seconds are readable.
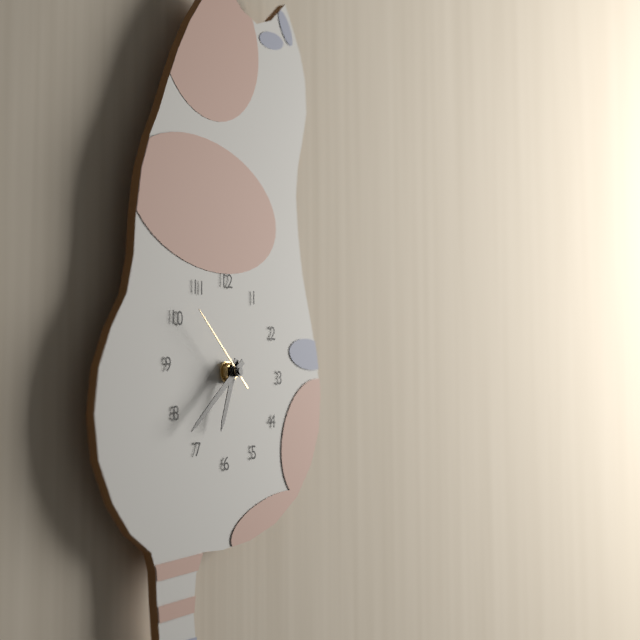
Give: 6:38:52
